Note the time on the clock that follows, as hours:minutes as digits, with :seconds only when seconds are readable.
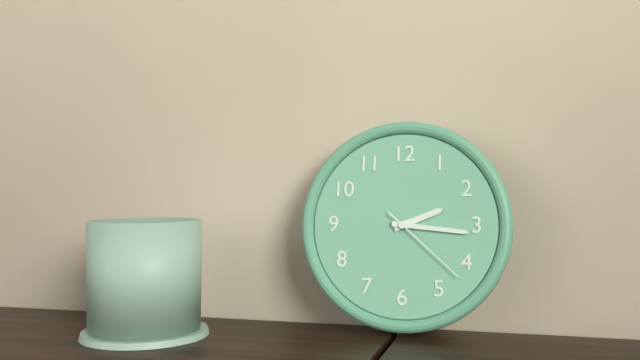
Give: 2:16:22
